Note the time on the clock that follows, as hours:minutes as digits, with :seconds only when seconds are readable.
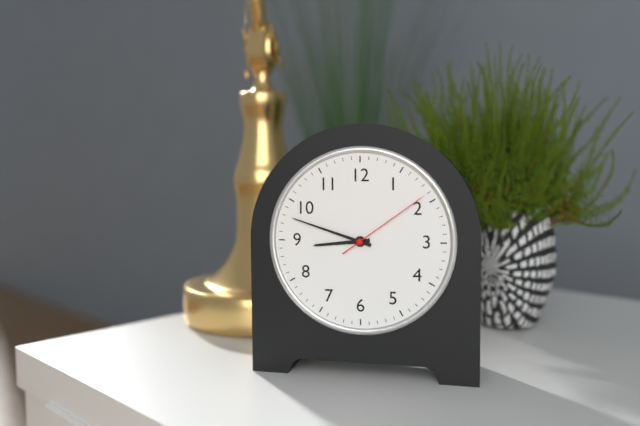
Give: 8:48:09
